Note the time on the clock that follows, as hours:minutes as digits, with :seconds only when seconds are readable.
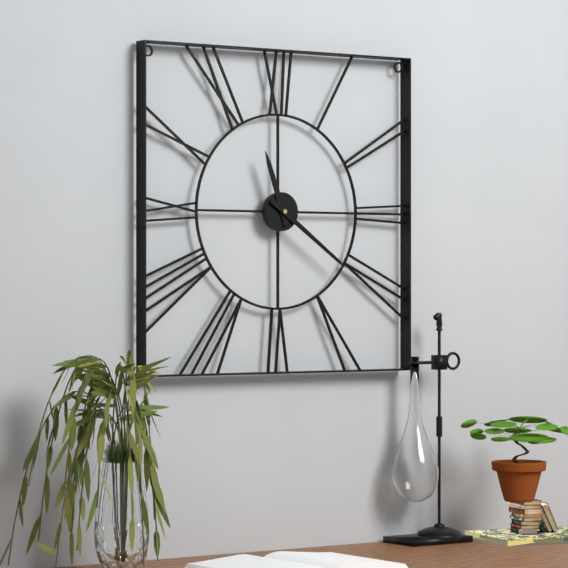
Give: 11:21
